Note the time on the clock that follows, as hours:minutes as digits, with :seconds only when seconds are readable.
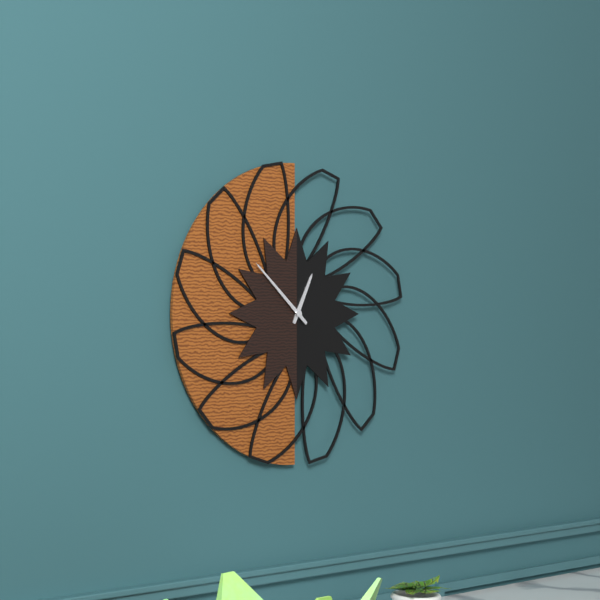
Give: 12:52
